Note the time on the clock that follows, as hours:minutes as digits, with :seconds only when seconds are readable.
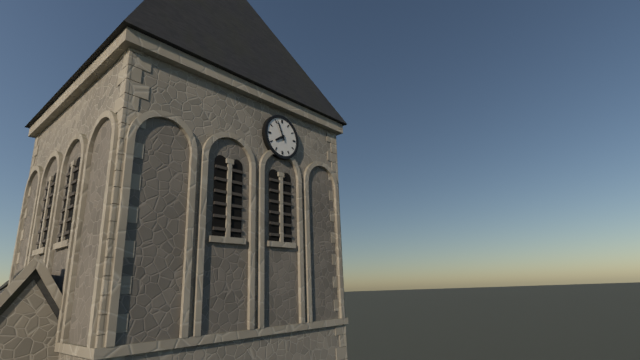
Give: 7:56
